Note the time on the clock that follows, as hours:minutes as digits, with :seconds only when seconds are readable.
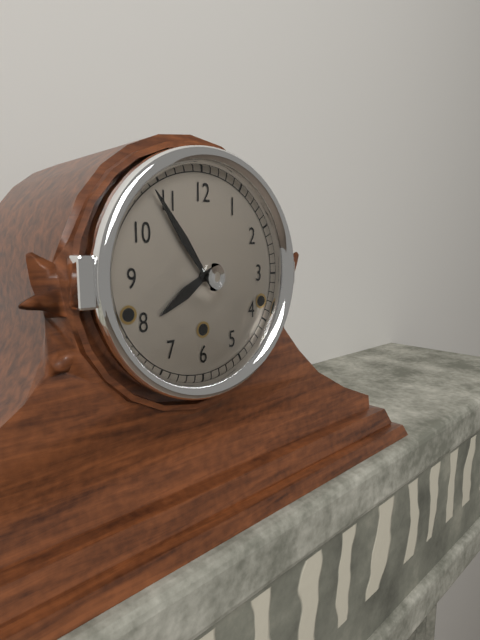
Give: 7:54
